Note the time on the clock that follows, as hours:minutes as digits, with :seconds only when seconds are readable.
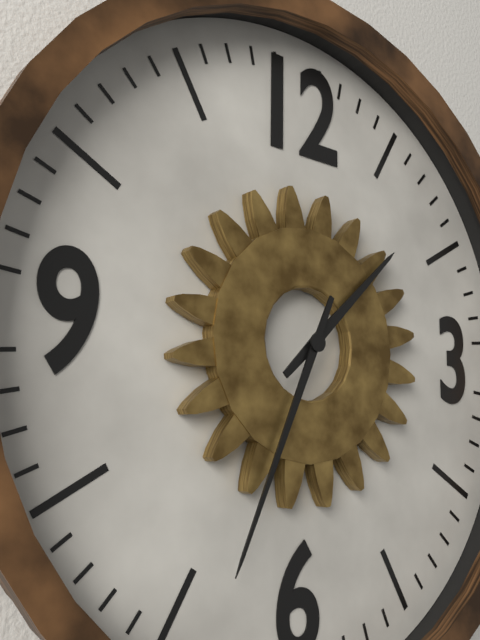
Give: 1:34
